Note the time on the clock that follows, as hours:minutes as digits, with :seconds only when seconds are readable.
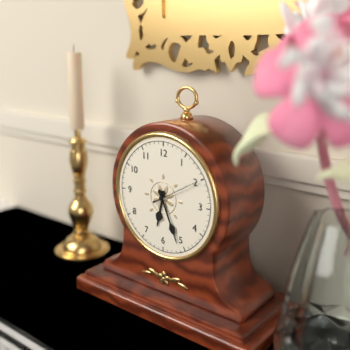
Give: 6:26:10
